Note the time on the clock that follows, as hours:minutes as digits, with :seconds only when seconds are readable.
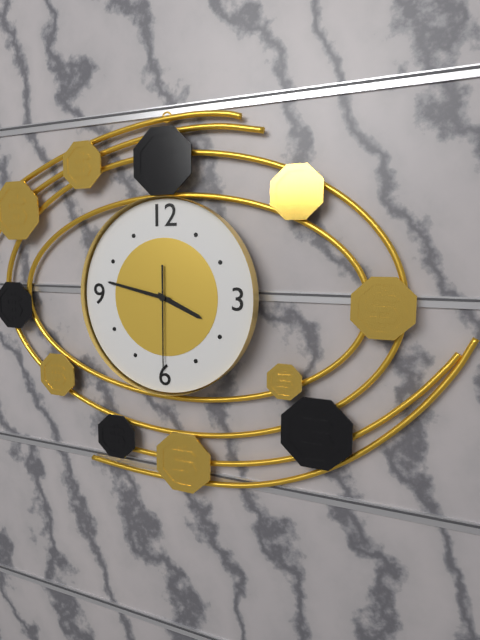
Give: 3:47:30
